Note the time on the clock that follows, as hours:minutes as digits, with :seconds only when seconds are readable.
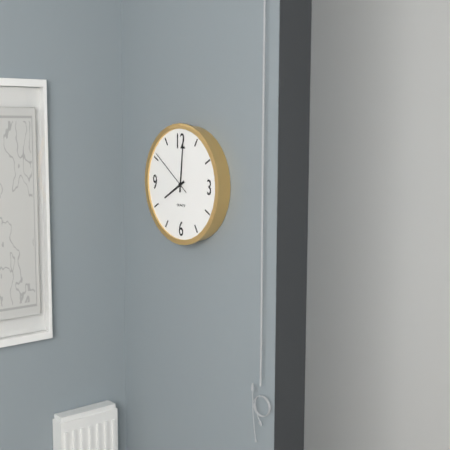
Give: 8:01:51
